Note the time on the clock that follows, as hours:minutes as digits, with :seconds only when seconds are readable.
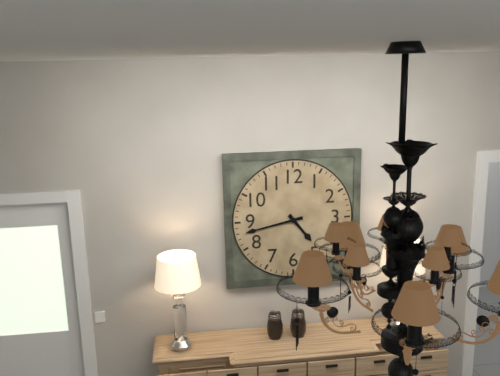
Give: 4:43
